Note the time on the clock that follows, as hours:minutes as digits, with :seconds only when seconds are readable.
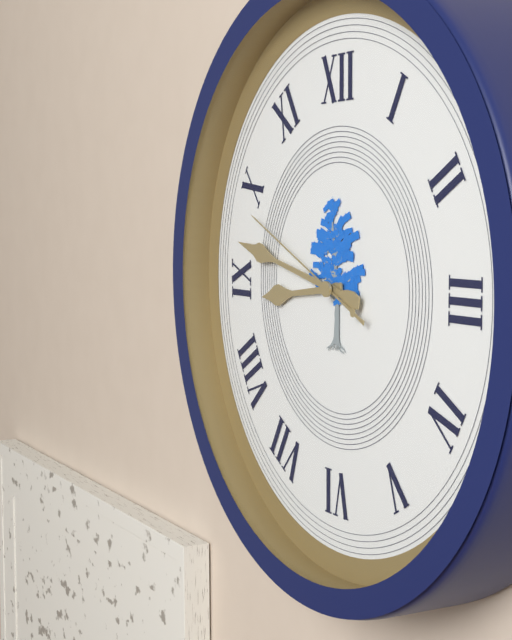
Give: 8:47:49
